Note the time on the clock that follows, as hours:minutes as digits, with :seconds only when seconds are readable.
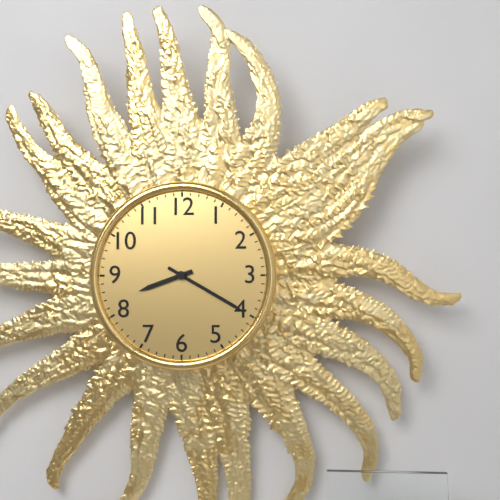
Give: 8:20
